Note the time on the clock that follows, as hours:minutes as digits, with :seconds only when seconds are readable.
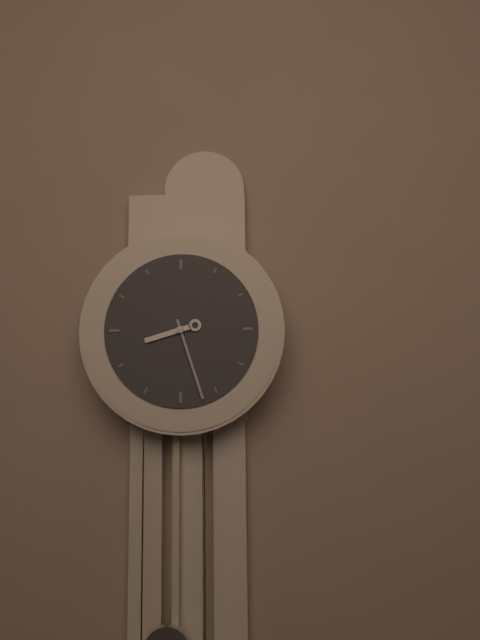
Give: 8:27
